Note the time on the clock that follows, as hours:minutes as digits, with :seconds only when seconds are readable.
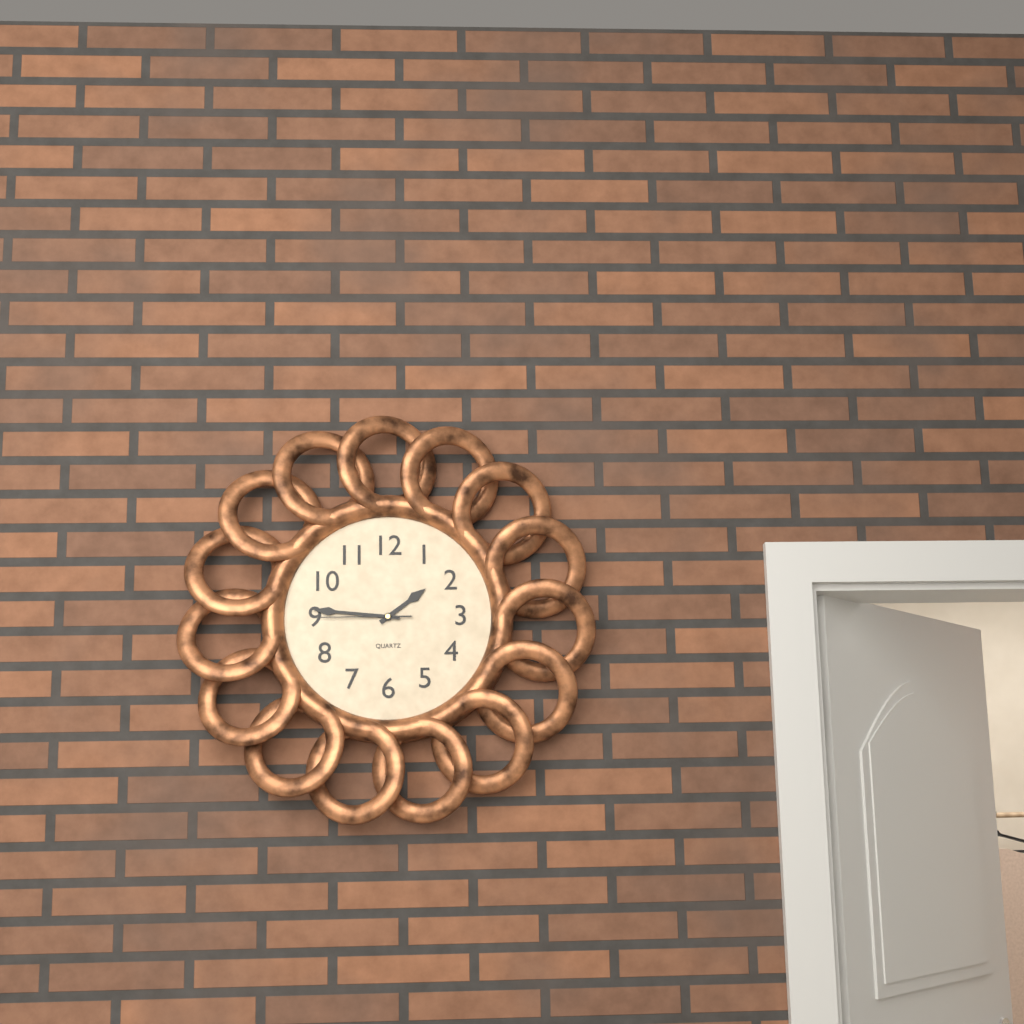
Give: 1:46:45
